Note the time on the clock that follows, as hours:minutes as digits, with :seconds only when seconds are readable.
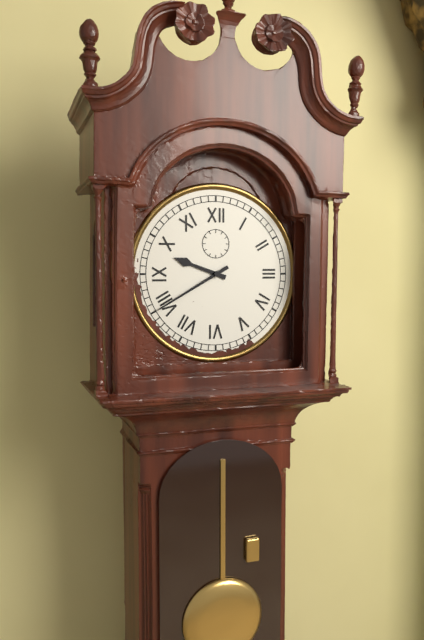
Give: 9:40
